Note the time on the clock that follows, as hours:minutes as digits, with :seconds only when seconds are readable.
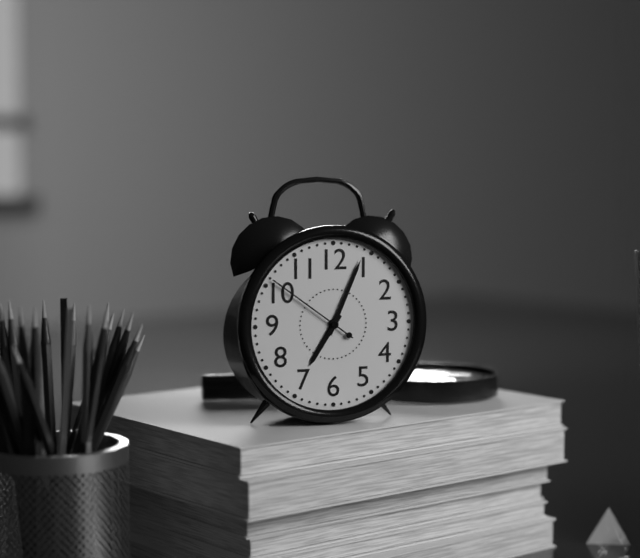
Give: 7:04:51
